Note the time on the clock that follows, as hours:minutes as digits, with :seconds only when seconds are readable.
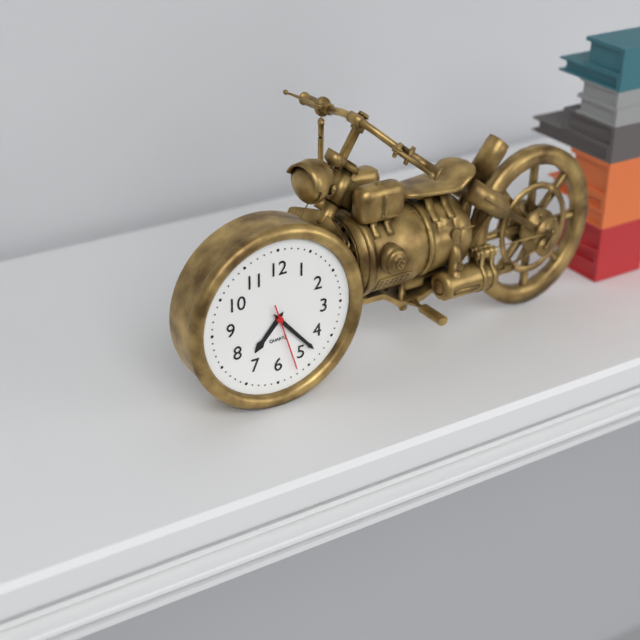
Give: 7:23:27
